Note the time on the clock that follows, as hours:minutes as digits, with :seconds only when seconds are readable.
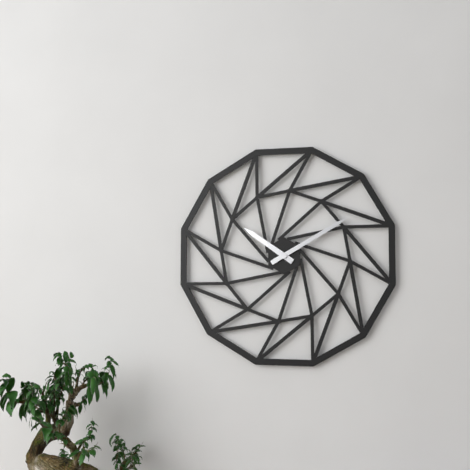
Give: 10:10
